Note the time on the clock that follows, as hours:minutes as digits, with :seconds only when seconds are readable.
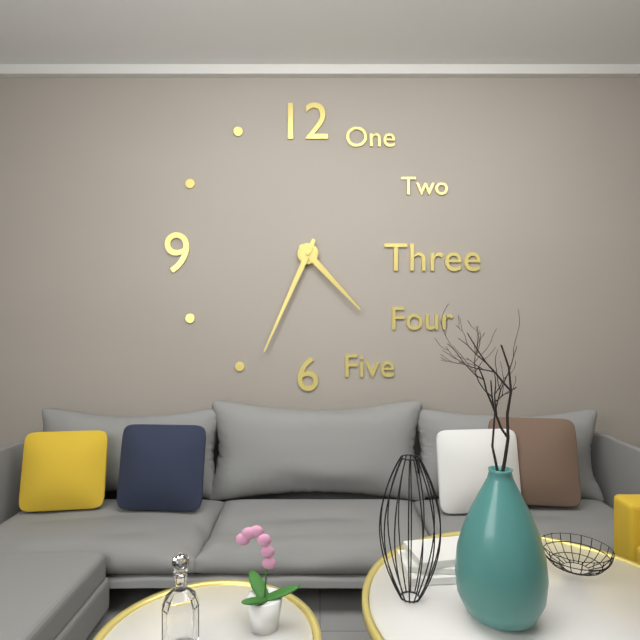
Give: 4:34
